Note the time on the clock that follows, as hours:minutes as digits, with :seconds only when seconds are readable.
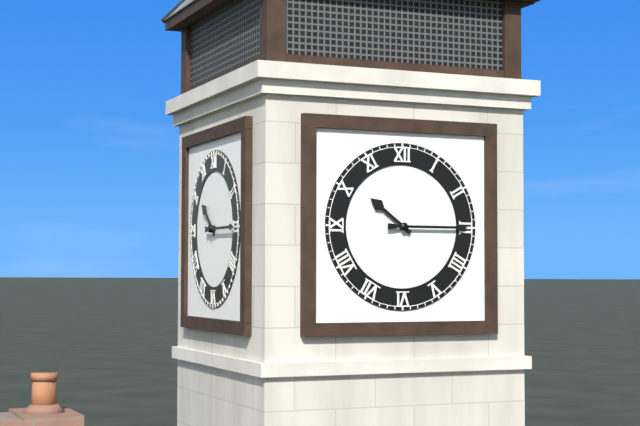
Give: 10:15
